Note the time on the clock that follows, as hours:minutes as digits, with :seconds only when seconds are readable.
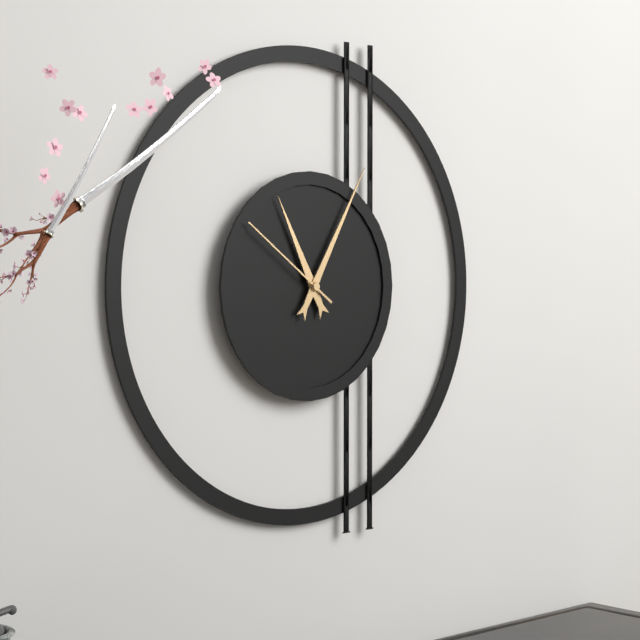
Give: 11:05:51
